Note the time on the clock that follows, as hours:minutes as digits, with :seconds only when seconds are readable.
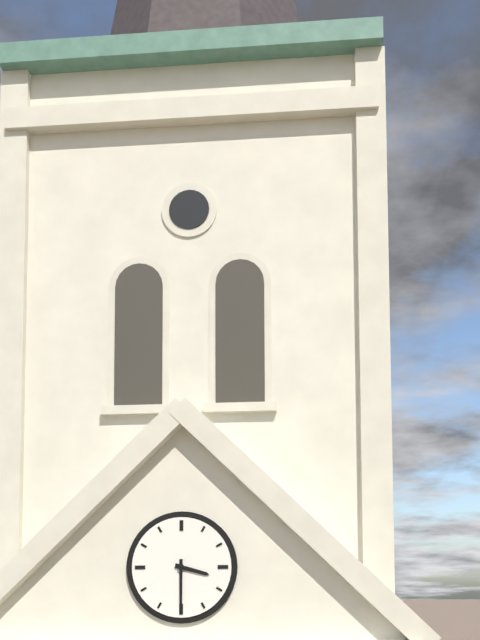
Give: 3:30
